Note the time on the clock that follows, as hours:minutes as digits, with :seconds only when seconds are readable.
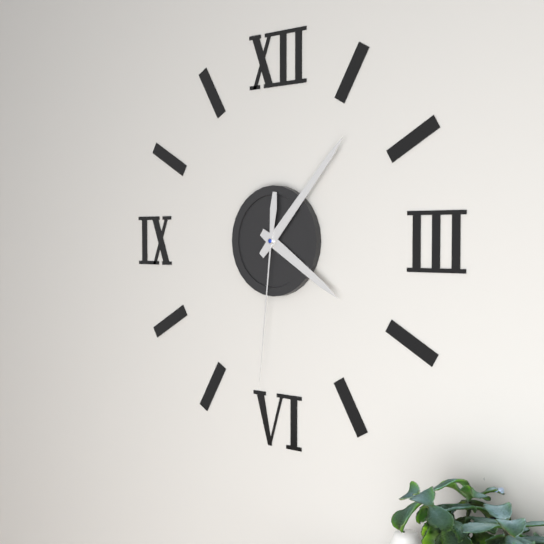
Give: 4:07:31
